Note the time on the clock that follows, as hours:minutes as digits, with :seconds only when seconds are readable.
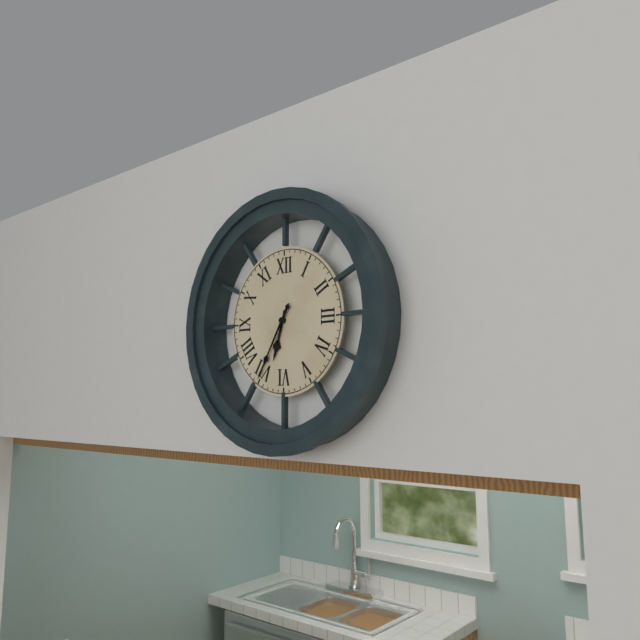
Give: 6:35
